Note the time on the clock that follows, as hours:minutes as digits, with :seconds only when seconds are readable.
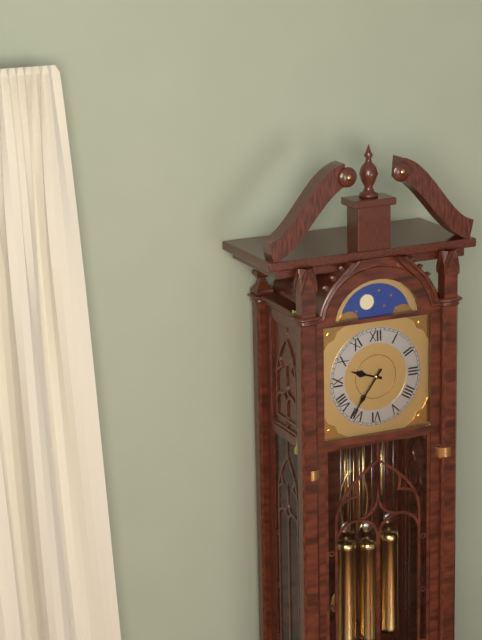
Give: 9:36
